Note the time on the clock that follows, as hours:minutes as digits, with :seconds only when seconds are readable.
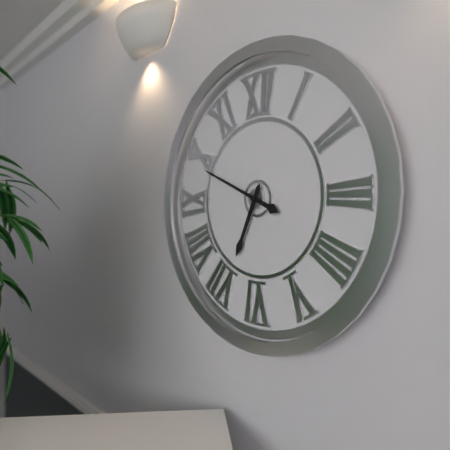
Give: 6:49
